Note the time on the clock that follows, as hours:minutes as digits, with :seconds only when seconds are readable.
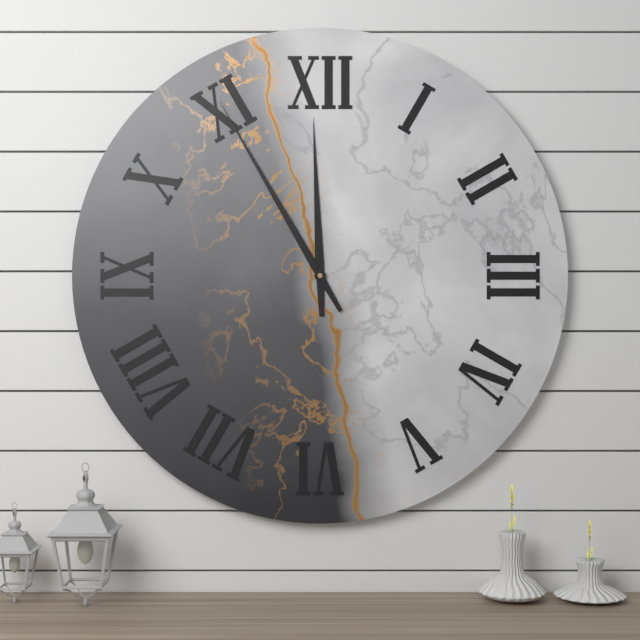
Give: 11:55
